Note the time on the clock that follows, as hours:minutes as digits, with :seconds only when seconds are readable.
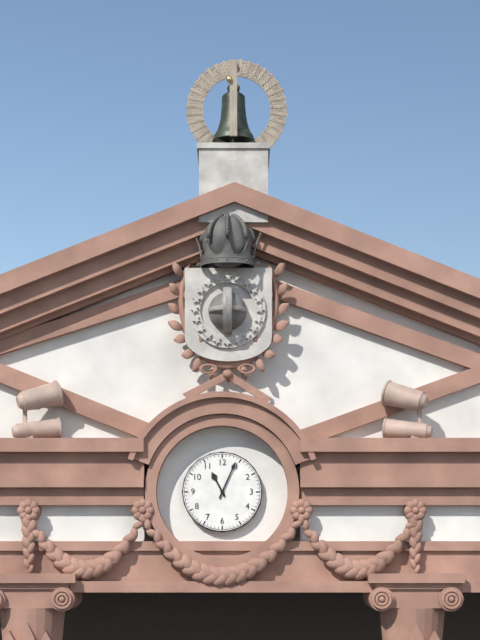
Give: 11:04
